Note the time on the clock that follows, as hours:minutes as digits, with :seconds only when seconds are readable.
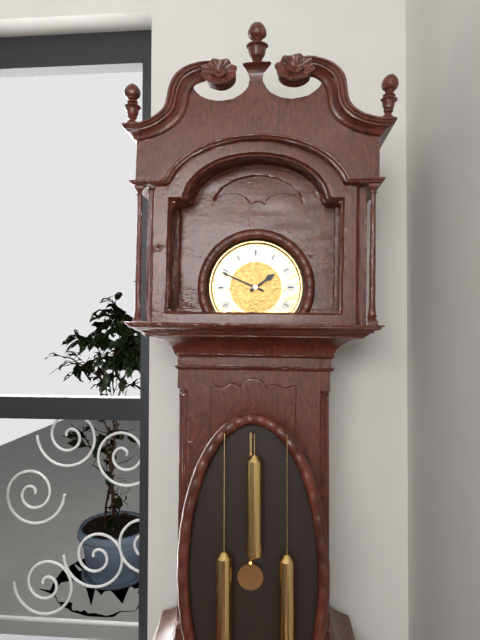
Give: 1:49
